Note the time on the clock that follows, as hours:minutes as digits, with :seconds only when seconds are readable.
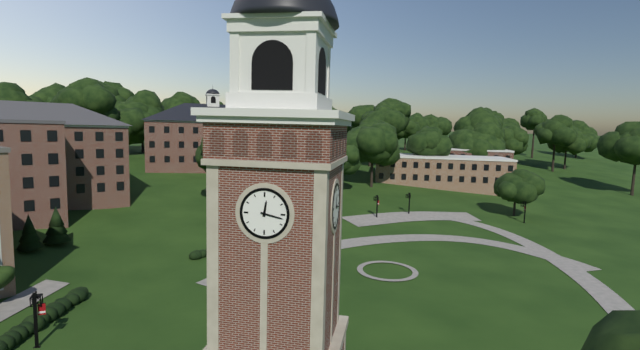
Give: 12:17
